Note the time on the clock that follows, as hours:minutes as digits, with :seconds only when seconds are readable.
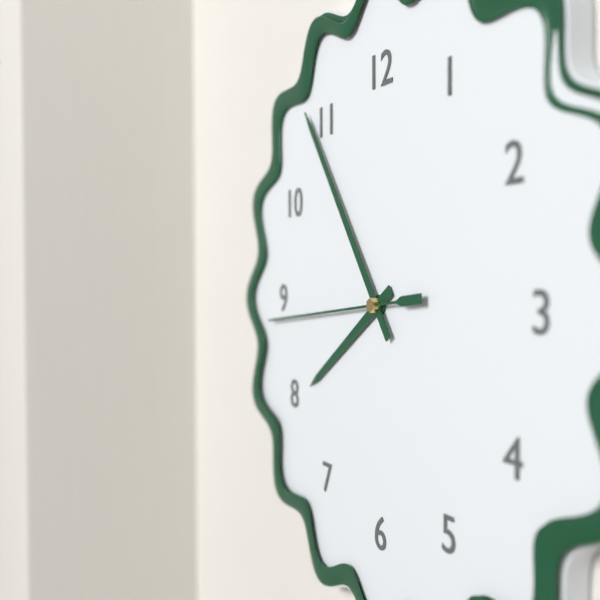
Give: 7:54:44
